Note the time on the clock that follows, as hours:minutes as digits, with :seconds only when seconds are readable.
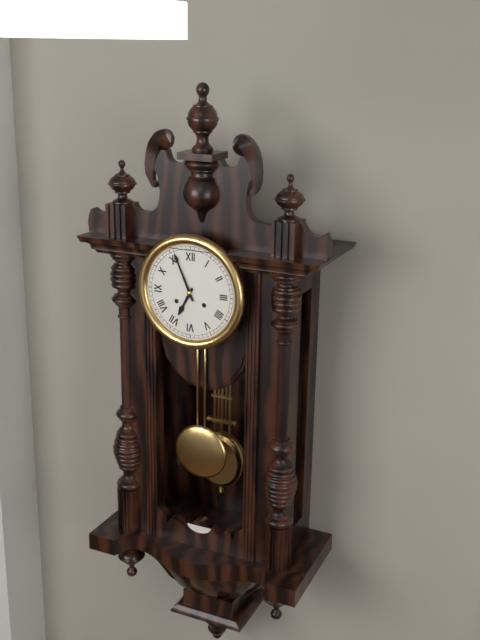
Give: 6:56
